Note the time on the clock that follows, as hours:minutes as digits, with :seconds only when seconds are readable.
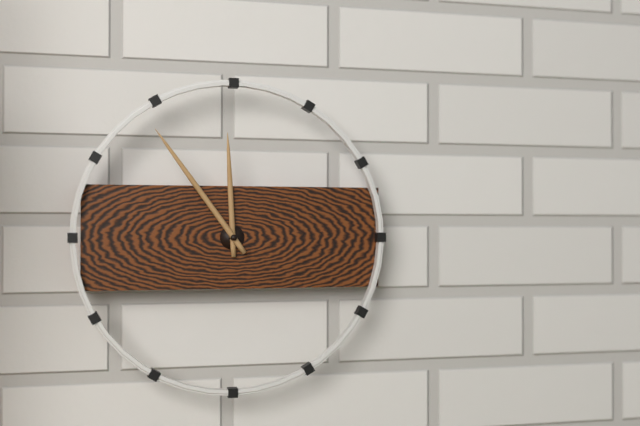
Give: 11:54
